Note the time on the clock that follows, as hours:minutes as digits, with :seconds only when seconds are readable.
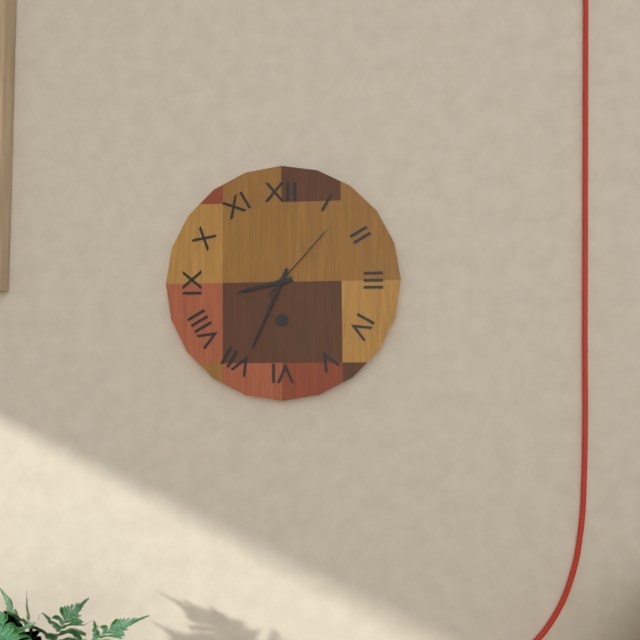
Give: 8:34:07
